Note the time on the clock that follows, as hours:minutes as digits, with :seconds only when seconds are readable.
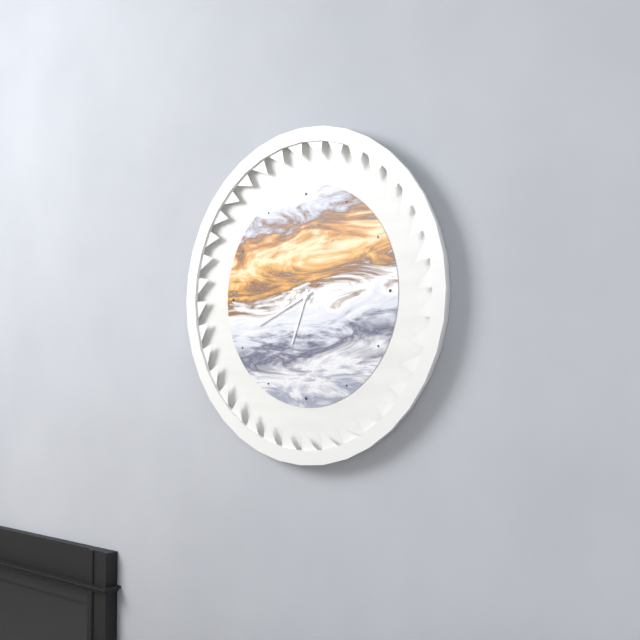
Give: 6:41
